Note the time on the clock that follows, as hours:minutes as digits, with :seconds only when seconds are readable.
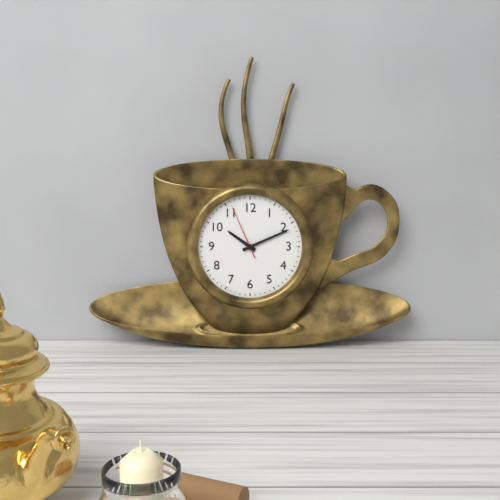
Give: 10:11:56
